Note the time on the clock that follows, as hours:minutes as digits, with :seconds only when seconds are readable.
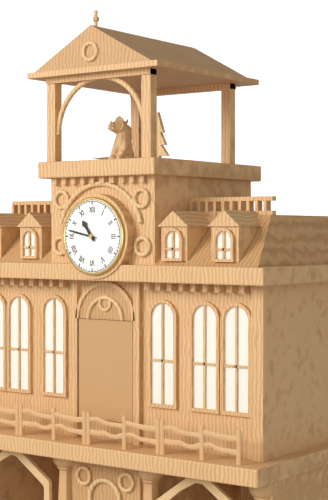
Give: 10:47
